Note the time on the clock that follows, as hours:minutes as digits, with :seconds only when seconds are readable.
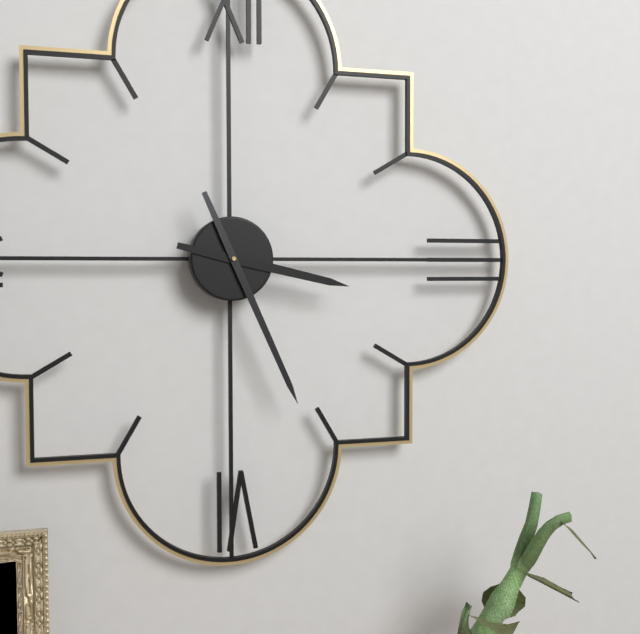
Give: 3:26
